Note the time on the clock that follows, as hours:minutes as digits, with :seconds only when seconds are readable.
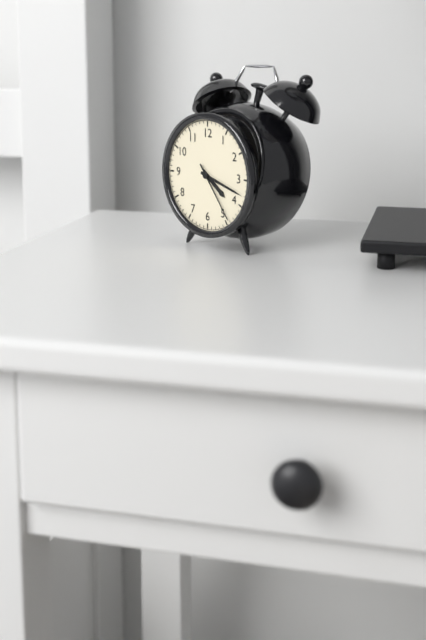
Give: 4:18:24
